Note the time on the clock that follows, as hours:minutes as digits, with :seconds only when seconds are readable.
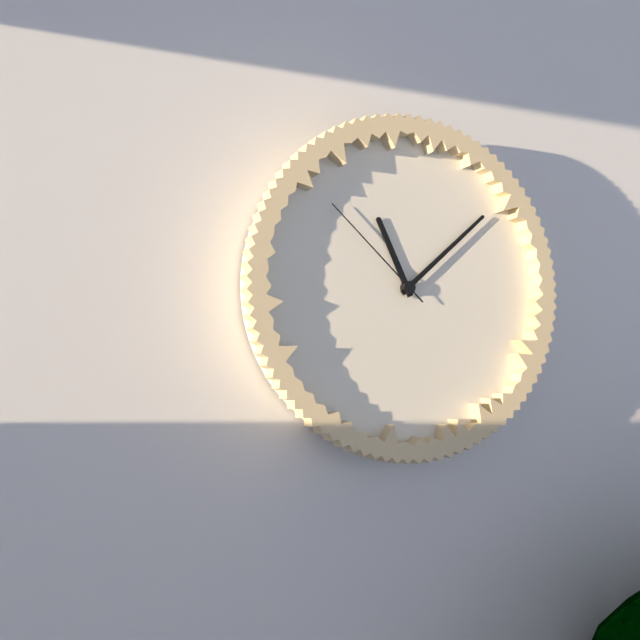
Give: 11:08:52
